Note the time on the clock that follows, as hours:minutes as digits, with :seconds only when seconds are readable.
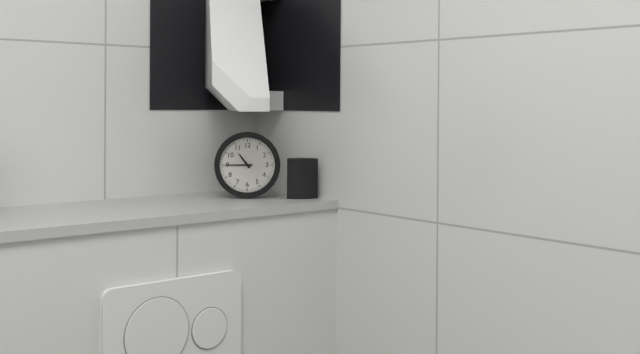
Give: 10:45
